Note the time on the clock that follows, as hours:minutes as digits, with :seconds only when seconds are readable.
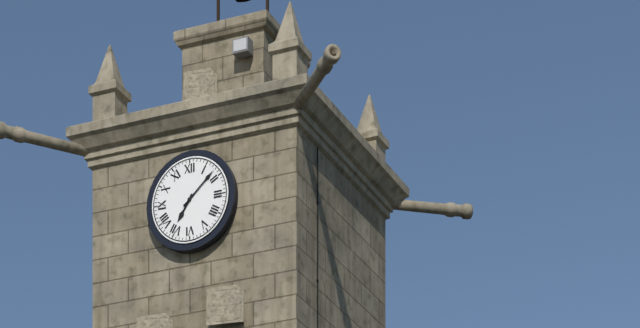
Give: 7:08
